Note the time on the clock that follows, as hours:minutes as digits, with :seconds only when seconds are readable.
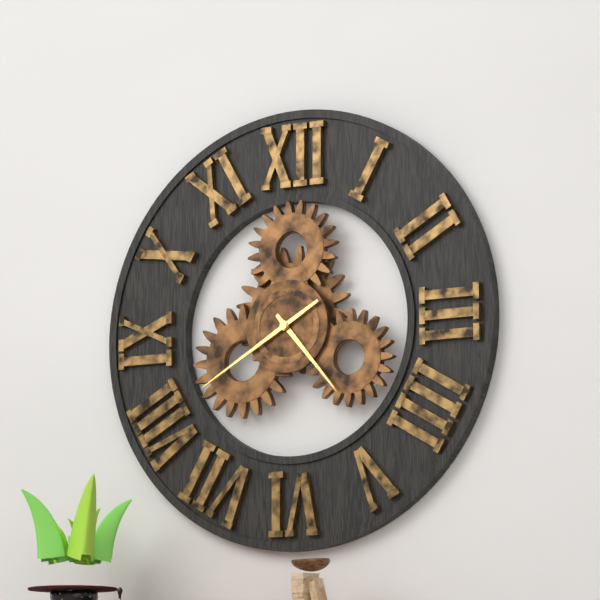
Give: 4:40
